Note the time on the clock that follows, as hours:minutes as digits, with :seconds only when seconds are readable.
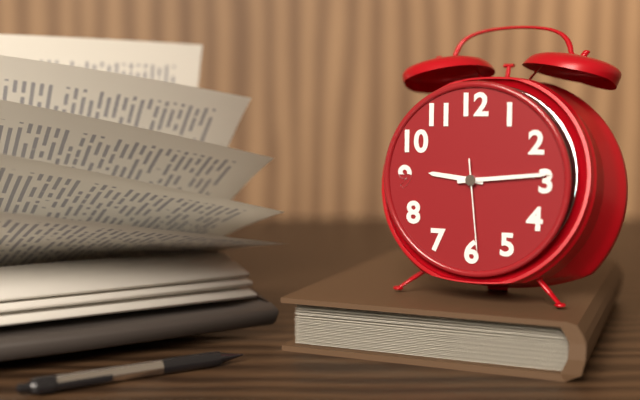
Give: 9:14:29
